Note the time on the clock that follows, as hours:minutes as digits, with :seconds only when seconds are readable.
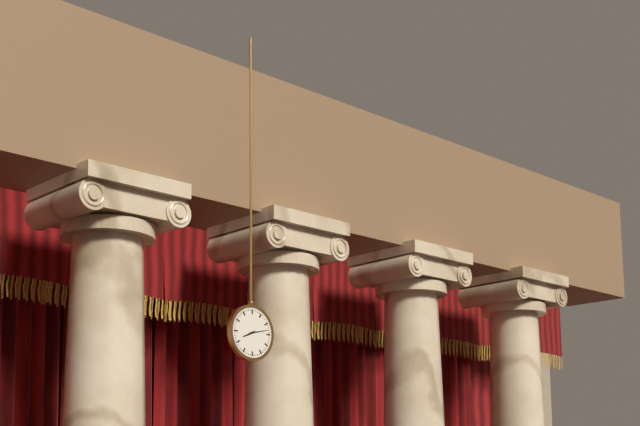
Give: 8:13
